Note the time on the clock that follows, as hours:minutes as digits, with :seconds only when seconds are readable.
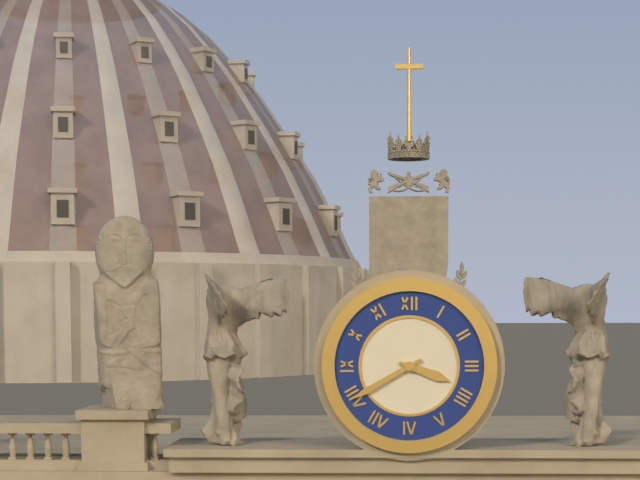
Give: 3:40
